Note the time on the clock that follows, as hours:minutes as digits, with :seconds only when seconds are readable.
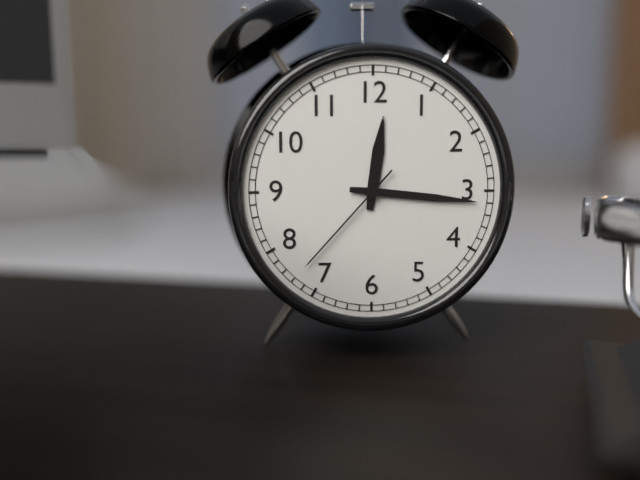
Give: 12:16:37
